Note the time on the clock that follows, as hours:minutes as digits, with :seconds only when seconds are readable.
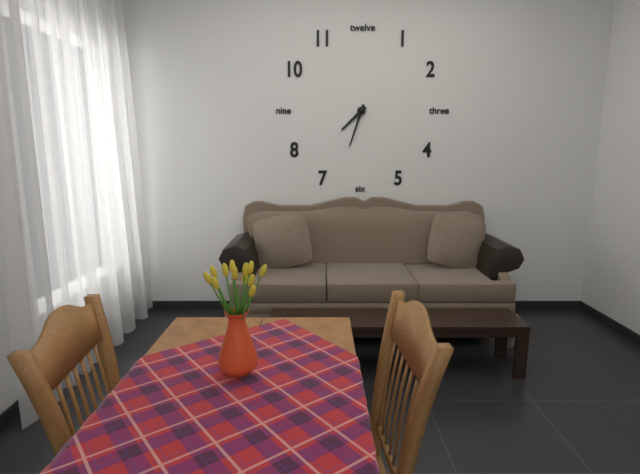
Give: 7:33
